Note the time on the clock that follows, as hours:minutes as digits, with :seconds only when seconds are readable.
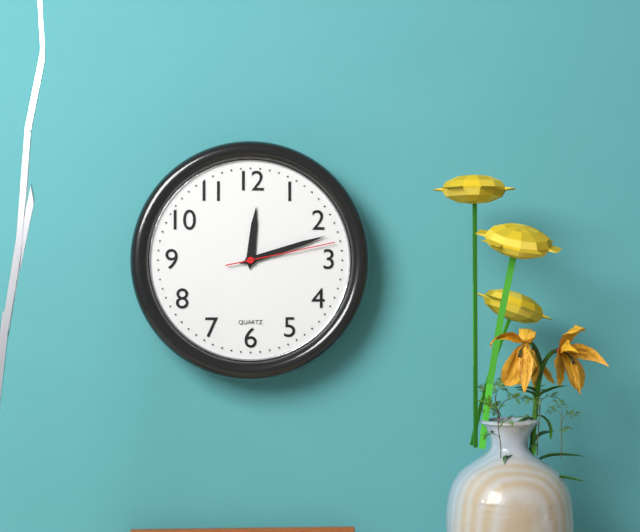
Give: 12:12:13
